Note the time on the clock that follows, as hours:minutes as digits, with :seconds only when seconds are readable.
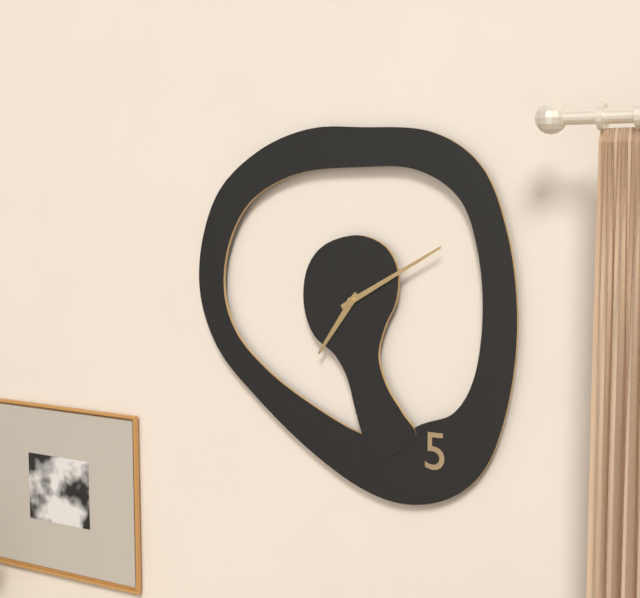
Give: 7:10
